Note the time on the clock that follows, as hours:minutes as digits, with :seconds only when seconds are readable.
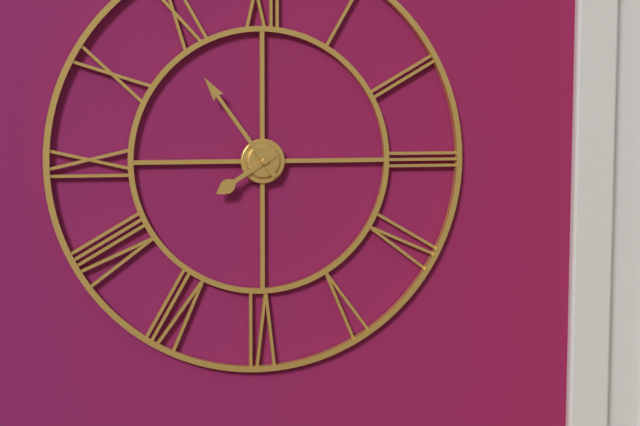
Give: 7:54
